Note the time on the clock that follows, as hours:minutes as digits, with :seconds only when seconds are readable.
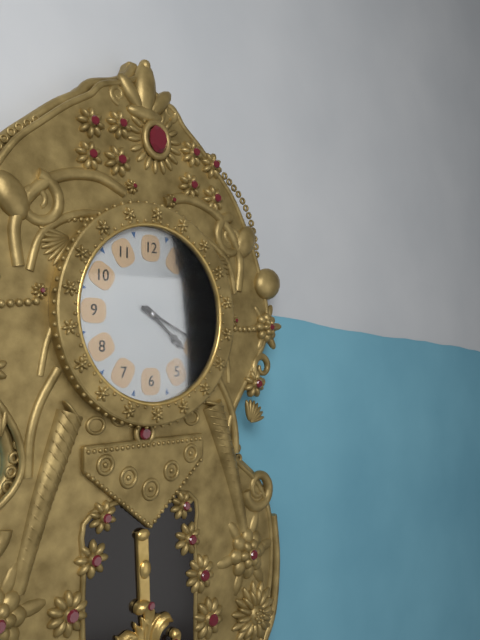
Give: 4:19
